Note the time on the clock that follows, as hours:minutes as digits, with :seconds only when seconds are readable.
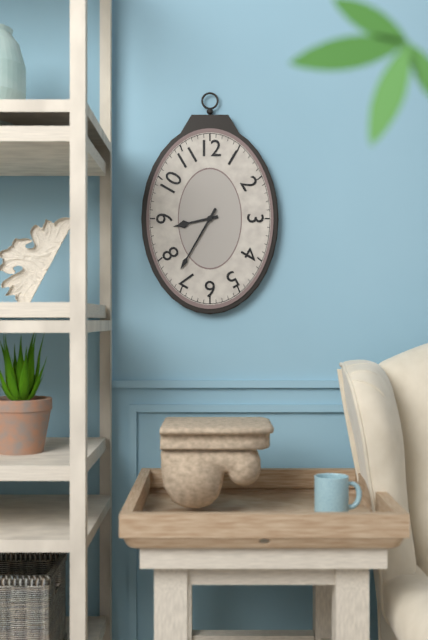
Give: 8:35
